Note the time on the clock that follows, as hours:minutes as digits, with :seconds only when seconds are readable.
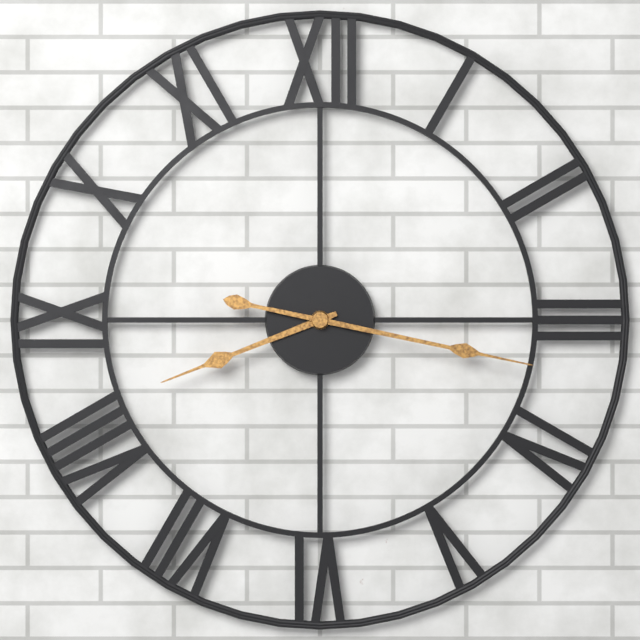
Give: 8:17
